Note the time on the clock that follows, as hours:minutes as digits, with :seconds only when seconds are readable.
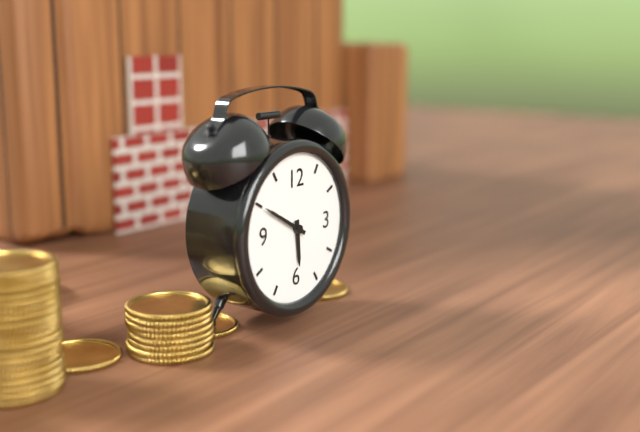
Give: 5:50
